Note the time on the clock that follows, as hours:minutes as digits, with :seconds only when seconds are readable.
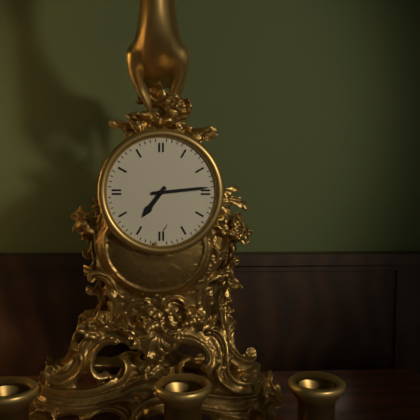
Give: 7:14
